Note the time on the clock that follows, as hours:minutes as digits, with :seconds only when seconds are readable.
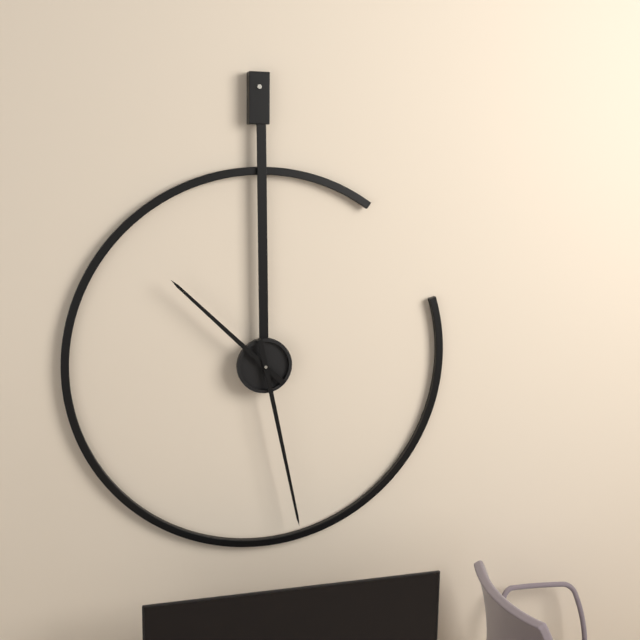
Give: 10:28
